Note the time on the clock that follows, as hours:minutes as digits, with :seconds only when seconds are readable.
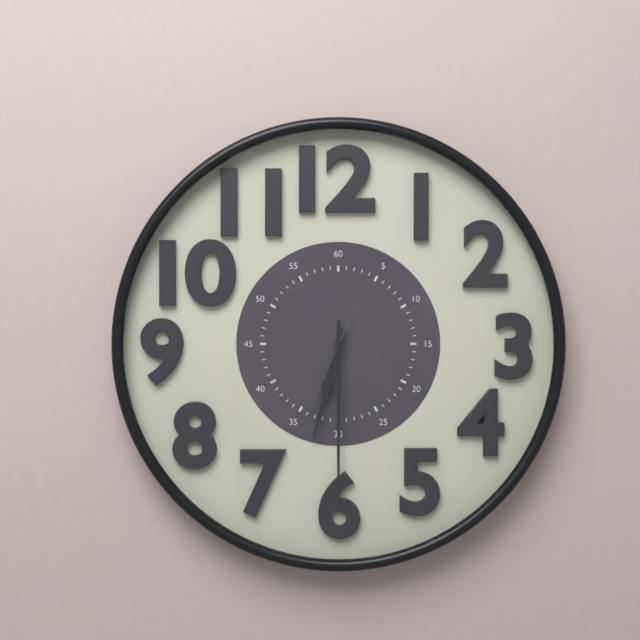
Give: 6:30:34
